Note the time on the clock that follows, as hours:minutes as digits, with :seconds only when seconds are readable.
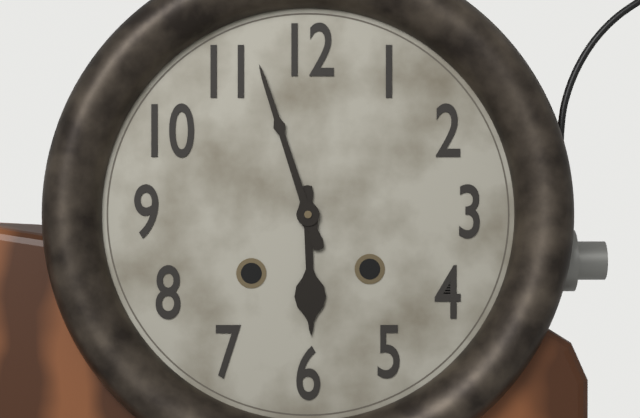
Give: 5:57
